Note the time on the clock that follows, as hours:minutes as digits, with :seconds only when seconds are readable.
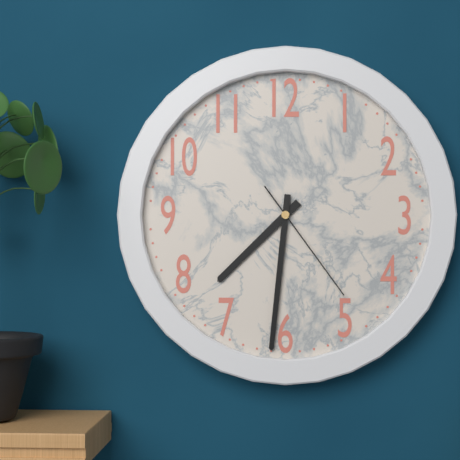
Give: 7:31:24
